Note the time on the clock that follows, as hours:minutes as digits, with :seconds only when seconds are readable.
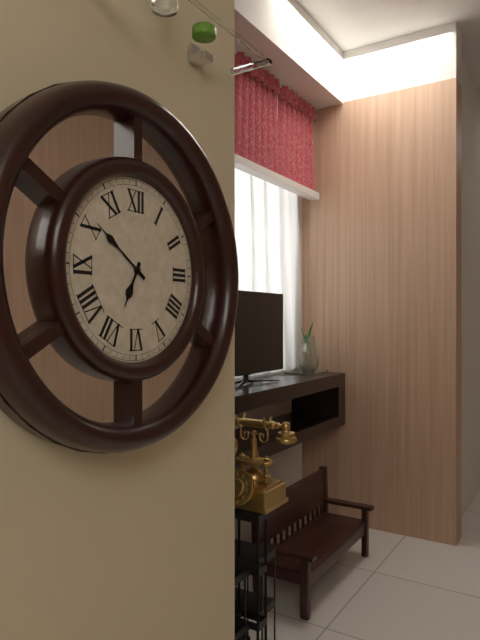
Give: 6:51
